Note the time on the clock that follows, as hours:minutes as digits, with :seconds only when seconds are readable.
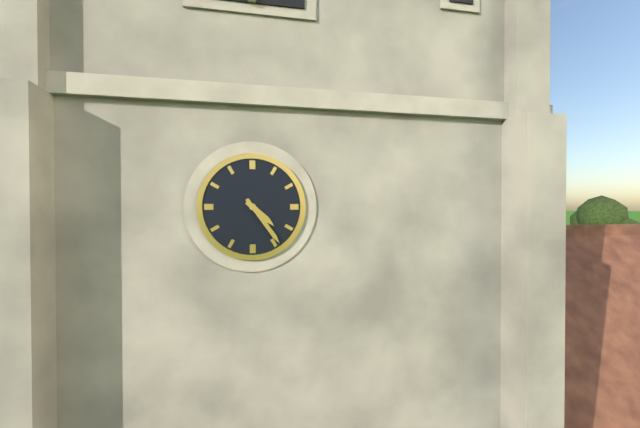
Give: 4:24
